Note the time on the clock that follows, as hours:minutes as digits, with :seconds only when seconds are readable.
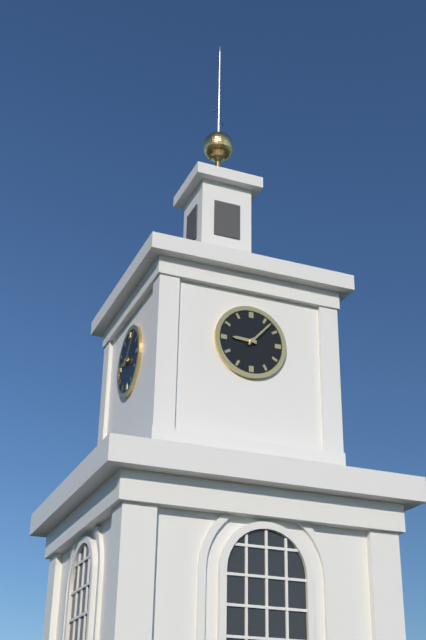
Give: 9:07
